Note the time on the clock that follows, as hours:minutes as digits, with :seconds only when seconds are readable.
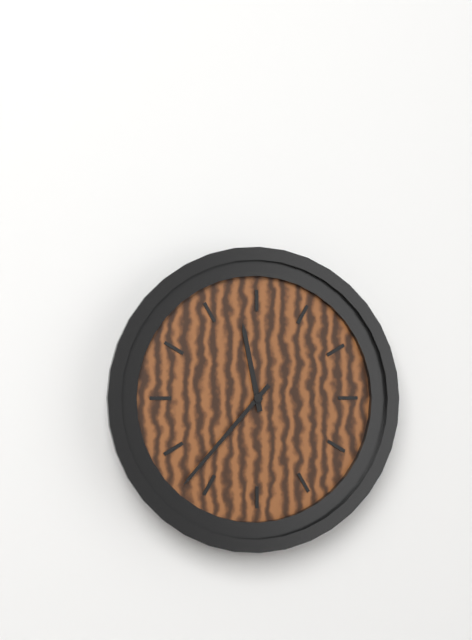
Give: 11:37
